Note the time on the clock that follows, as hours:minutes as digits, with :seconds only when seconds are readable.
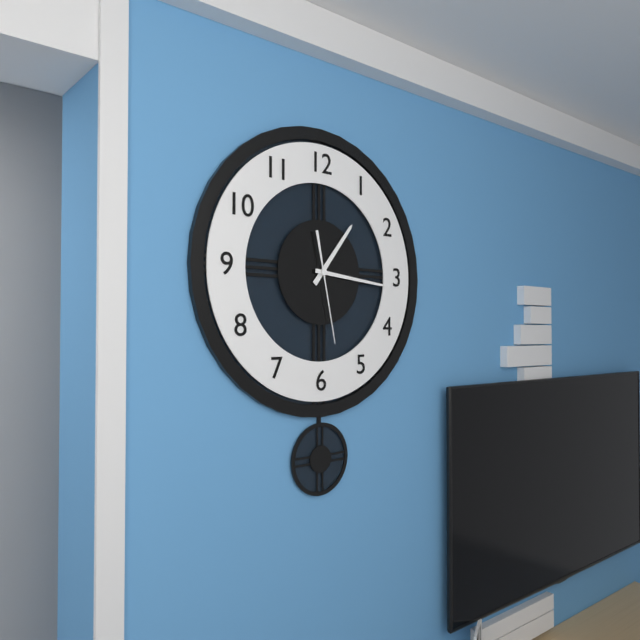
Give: 1:16:28
